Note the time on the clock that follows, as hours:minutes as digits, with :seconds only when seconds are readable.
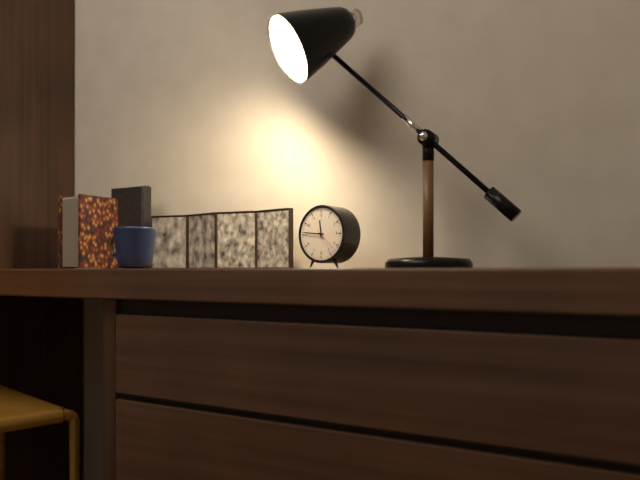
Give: 11:46
